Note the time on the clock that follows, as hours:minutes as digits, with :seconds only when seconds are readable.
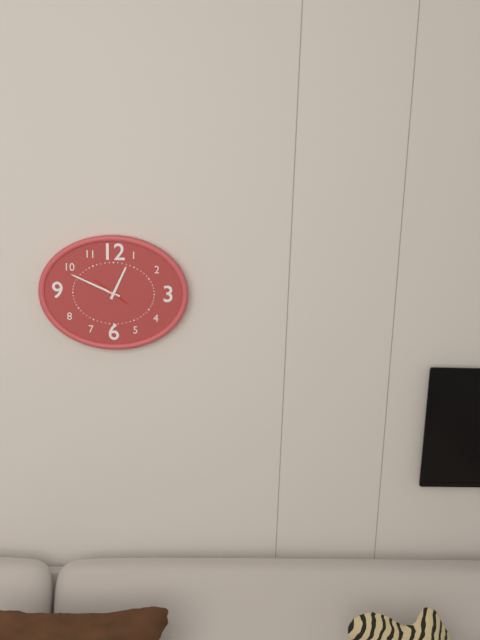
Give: 12:49
